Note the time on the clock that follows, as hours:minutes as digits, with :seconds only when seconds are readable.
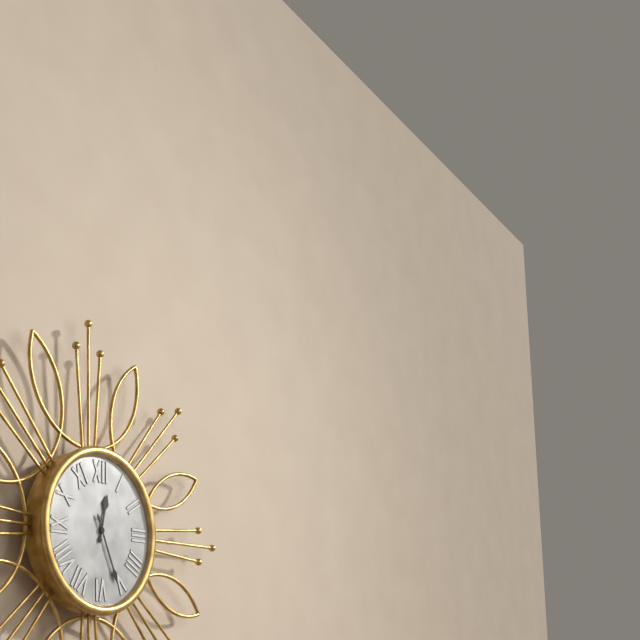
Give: 12:26
